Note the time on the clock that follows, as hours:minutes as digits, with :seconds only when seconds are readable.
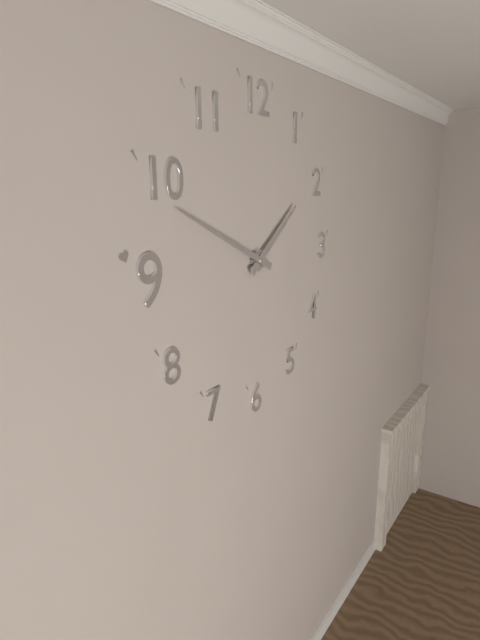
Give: 1:49
